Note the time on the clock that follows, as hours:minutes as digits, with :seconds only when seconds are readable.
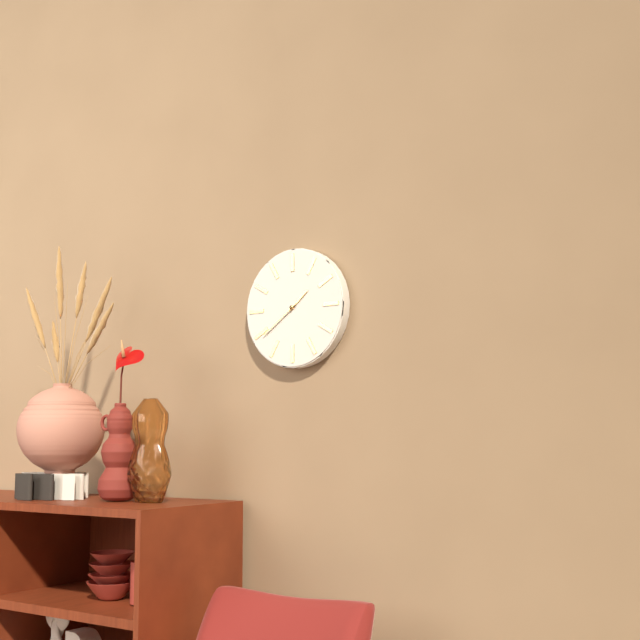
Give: 1:39
